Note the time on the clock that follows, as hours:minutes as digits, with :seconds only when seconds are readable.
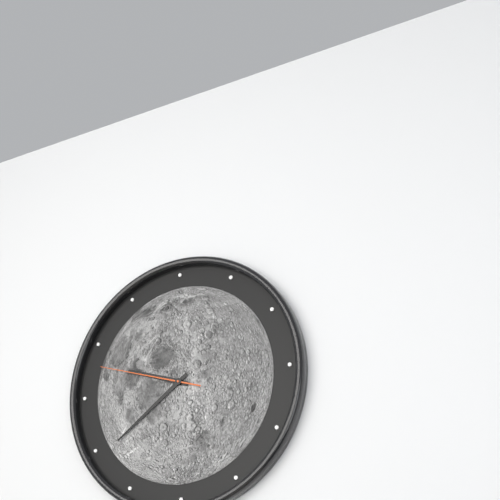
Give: 9:39:48
